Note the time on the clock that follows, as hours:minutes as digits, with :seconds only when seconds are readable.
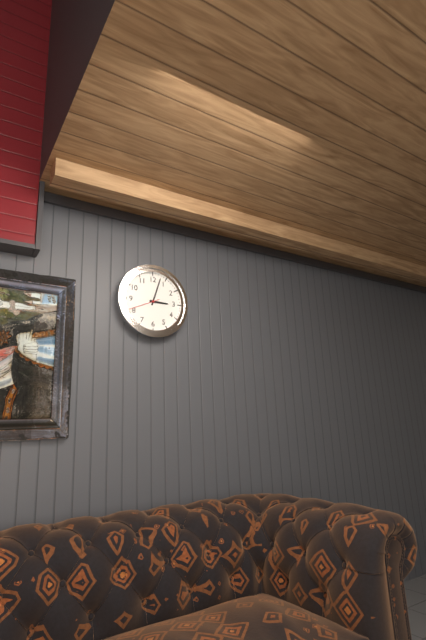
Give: 3:03
